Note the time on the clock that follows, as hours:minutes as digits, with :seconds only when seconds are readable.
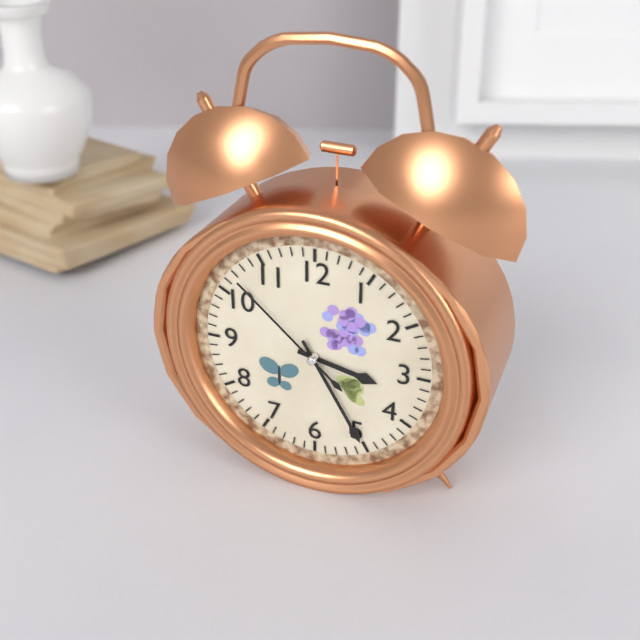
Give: 3:25:52
